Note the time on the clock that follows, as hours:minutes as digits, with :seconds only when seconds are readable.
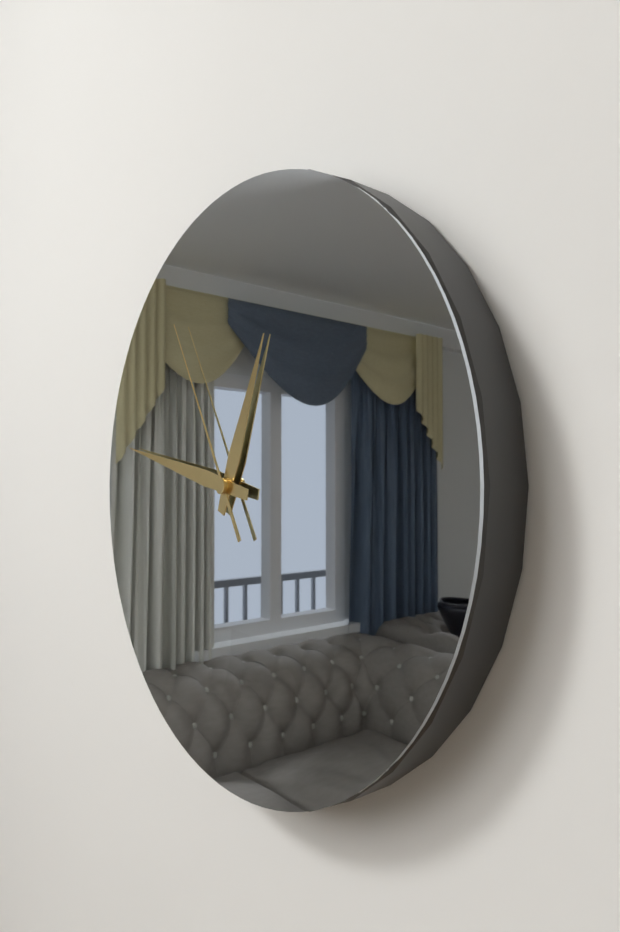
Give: 12:47:55
